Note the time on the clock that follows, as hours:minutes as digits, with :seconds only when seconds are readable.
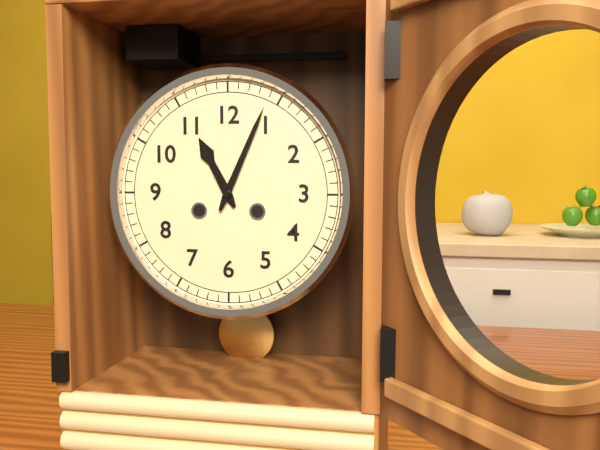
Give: 11:04
